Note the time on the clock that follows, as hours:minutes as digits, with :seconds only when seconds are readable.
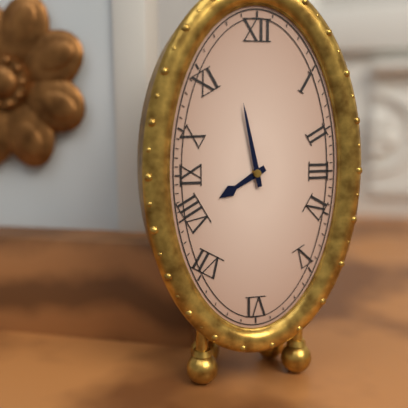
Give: 7:58
